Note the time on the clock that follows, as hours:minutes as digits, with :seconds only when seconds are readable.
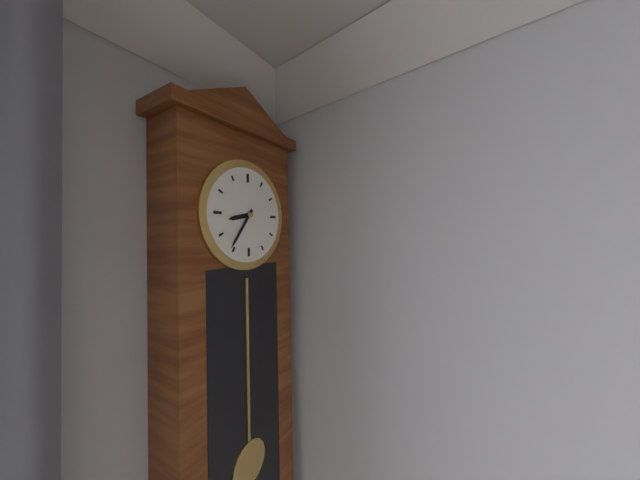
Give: 8:36
